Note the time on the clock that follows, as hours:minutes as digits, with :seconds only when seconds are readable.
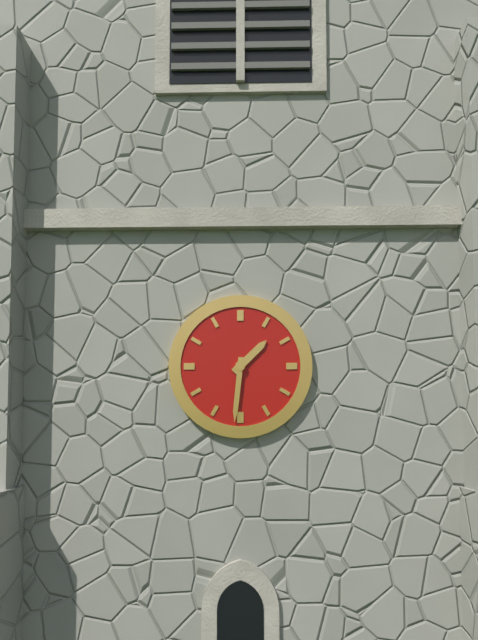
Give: 1:31
